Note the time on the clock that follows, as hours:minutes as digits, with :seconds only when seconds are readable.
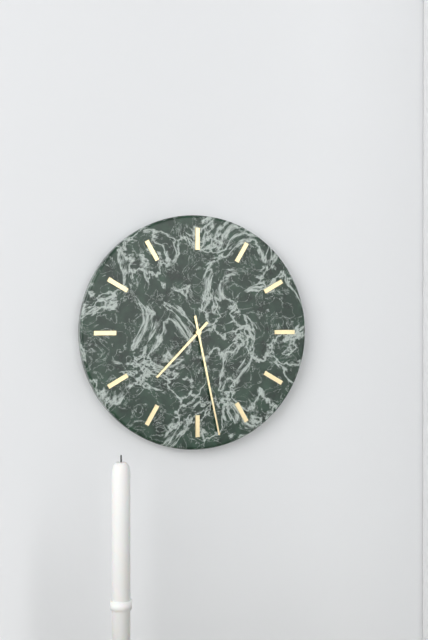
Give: 7:28
